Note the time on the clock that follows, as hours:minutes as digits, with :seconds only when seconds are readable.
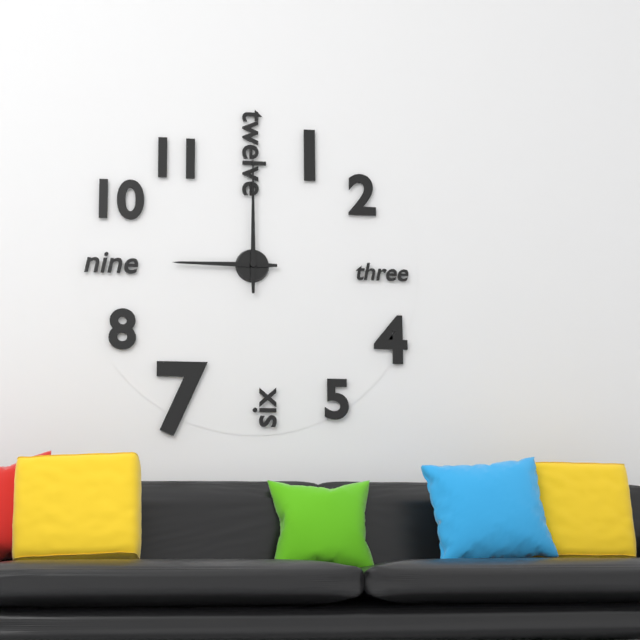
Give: 9:00
